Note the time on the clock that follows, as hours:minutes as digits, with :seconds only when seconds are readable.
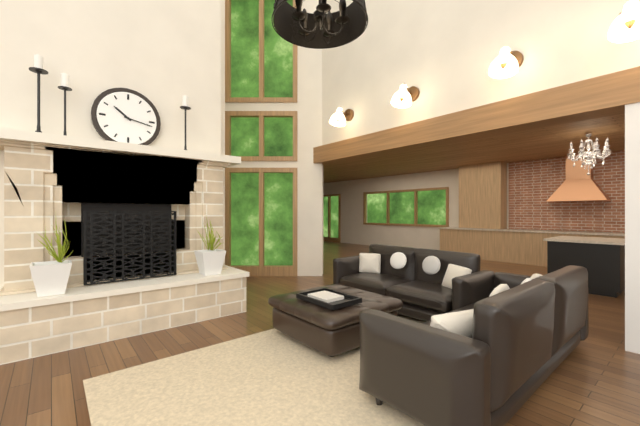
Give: 10:17
